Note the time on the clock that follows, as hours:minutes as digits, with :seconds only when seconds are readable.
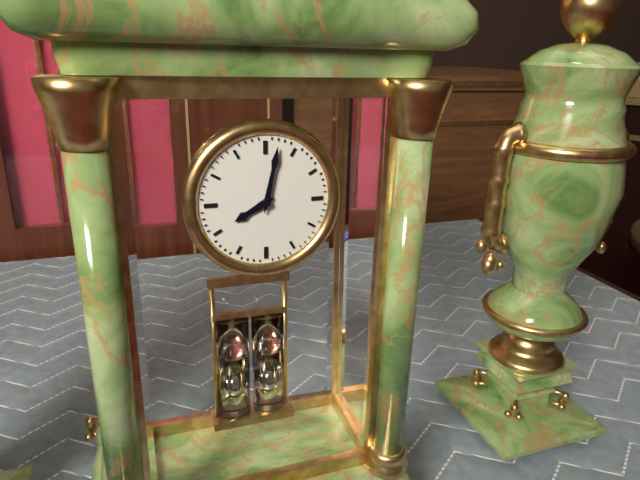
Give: 8:02
